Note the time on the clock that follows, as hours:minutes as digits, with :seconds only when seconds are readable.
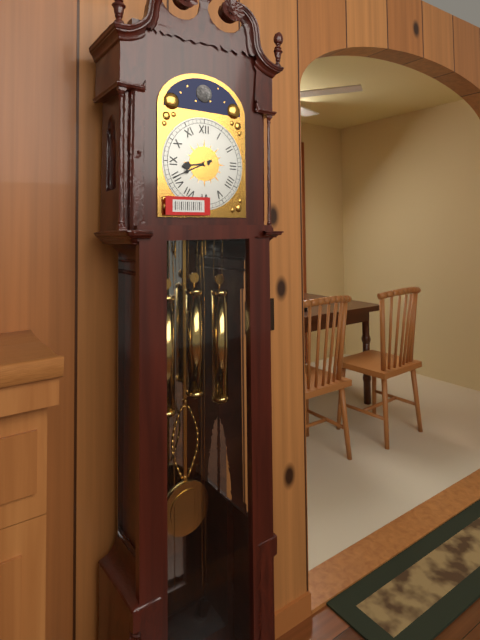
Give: 8:41
